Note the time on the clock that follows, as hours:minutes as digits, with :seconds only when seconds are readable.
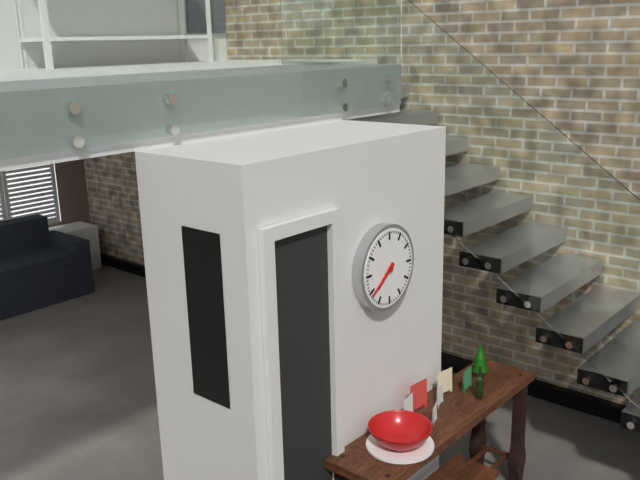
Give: 7:39
